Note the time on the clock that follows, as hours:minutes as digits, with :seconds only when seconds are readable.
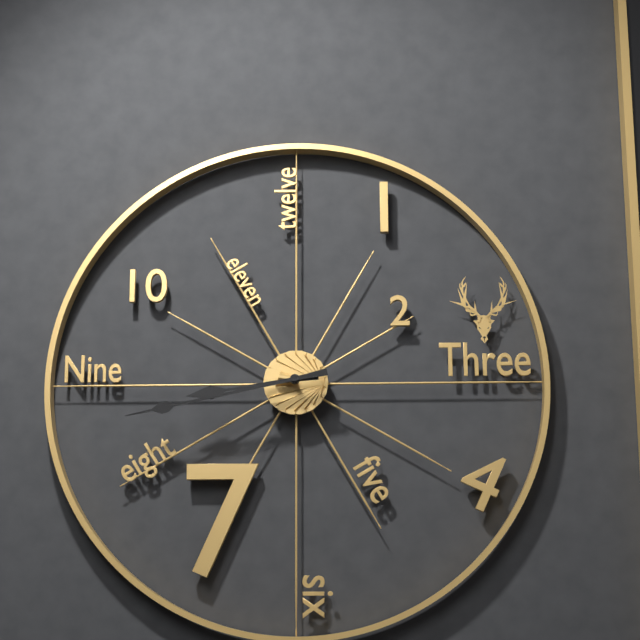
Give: 8:43
